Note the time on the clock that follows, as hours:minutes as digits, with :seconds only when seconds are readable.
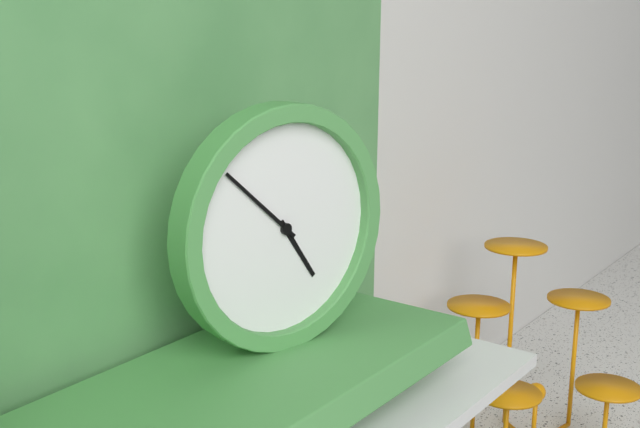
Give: 4:52
